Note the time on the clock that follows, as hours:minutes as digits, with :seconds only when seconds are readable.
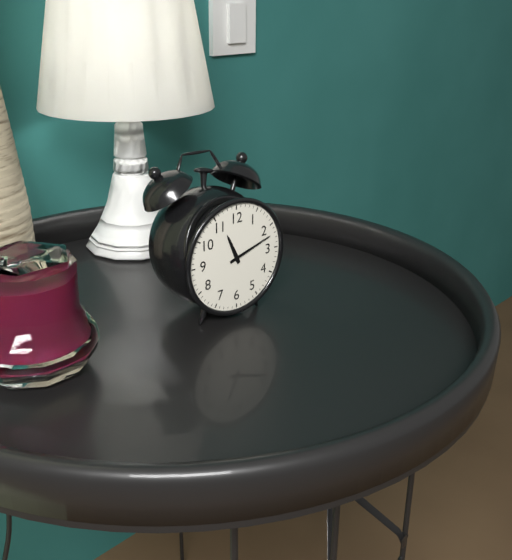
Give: 11:12
